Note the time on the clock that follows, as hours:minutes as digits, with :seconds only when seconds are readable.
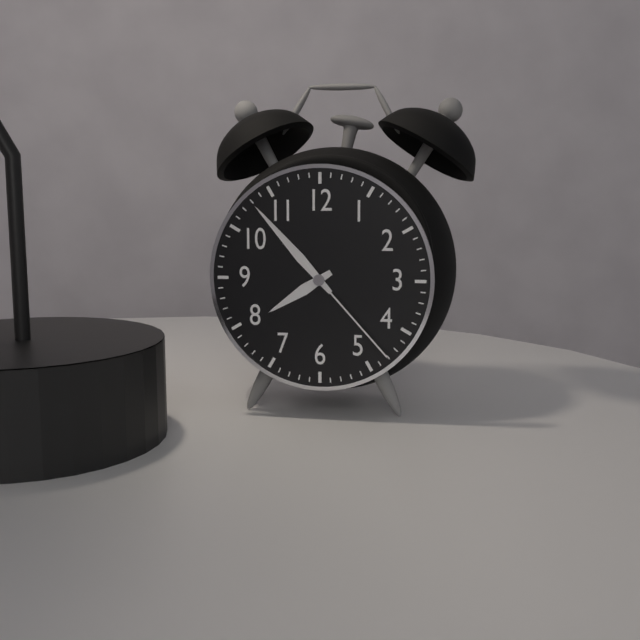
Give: 7:53:23
